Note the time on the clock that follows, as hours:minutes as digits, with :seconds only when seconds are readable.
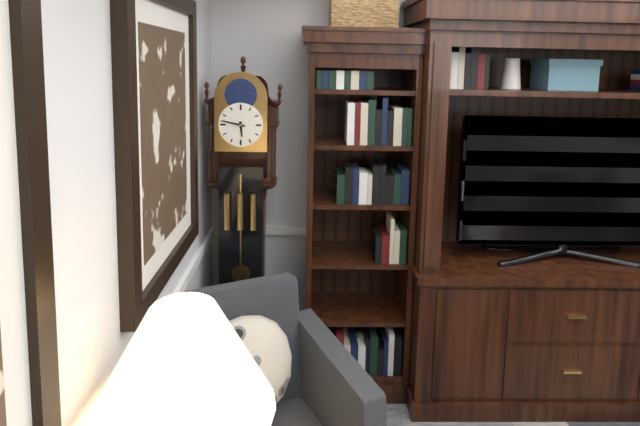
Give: 5:47
